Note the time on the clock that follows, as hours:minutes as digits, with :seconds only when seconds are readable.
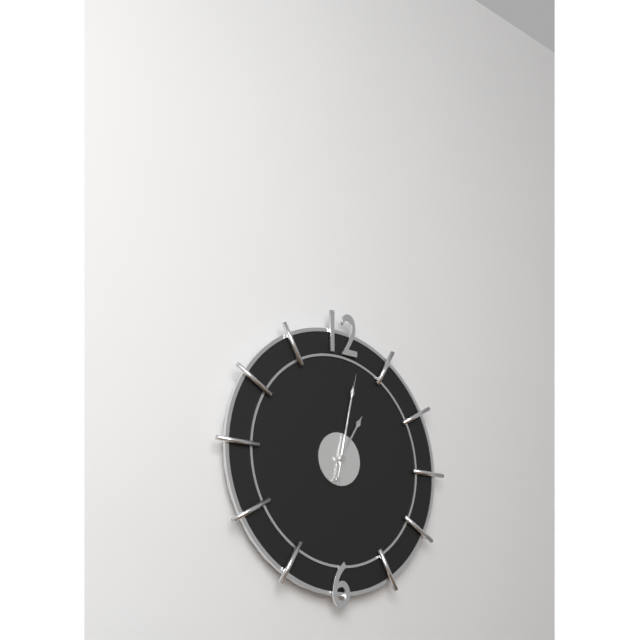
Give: 1:02:02
